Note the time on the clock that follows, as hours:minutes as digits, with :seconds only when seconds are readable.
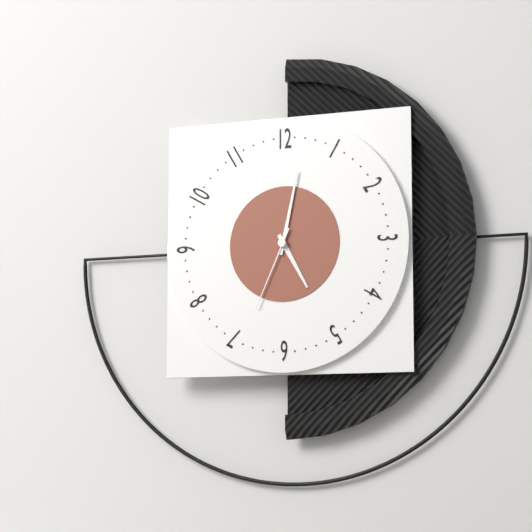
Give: 5:02:34
